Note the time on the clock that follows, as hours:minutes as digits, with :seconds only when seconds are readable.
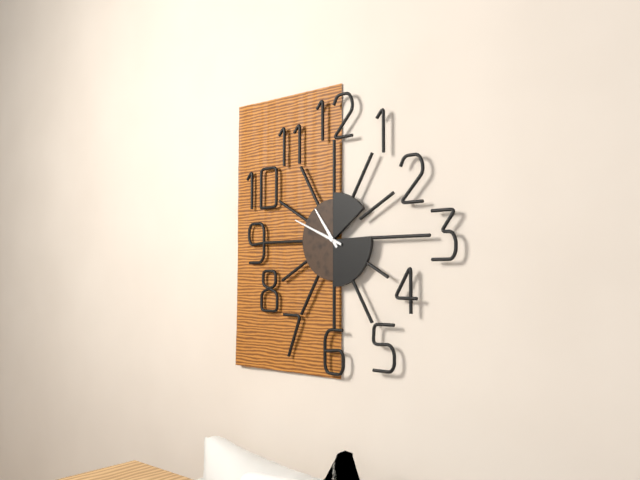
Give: 10:49
